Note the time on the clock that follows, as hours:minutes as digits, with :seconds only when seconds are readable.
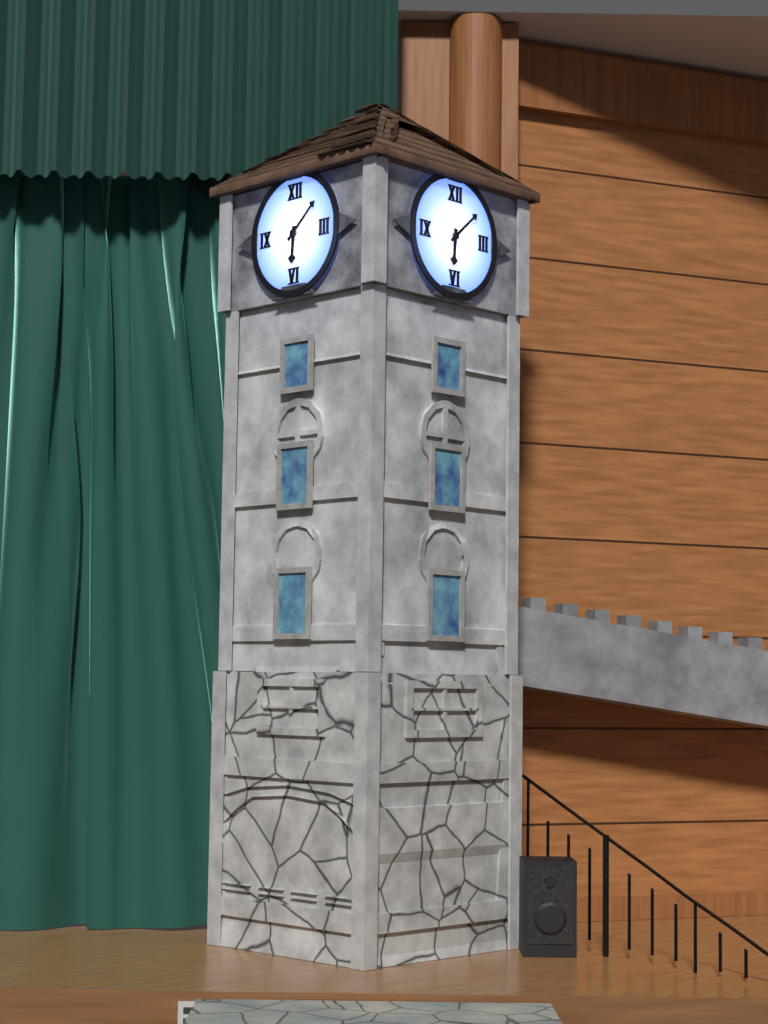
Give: 6:08
